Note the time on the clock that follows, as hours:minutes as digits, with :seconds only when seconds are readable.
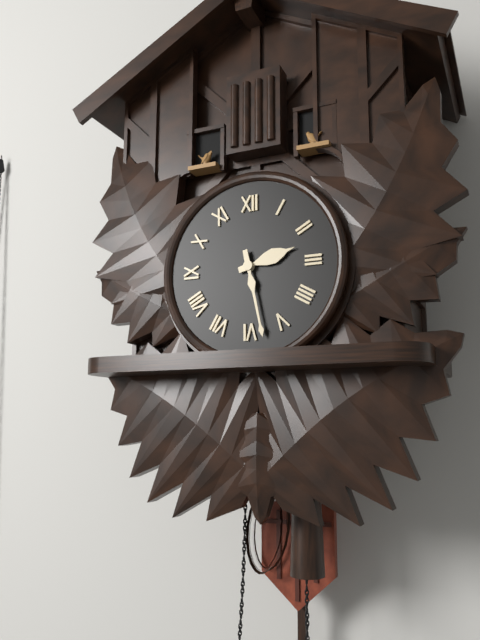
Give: 2:28
